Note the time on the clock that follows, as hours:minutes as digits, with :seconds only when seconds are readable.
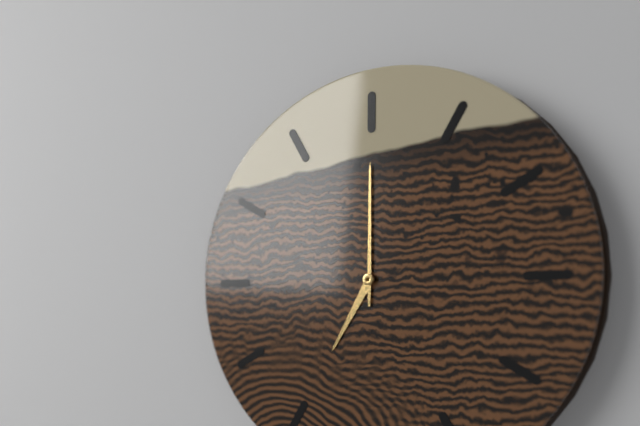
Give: 7:00
